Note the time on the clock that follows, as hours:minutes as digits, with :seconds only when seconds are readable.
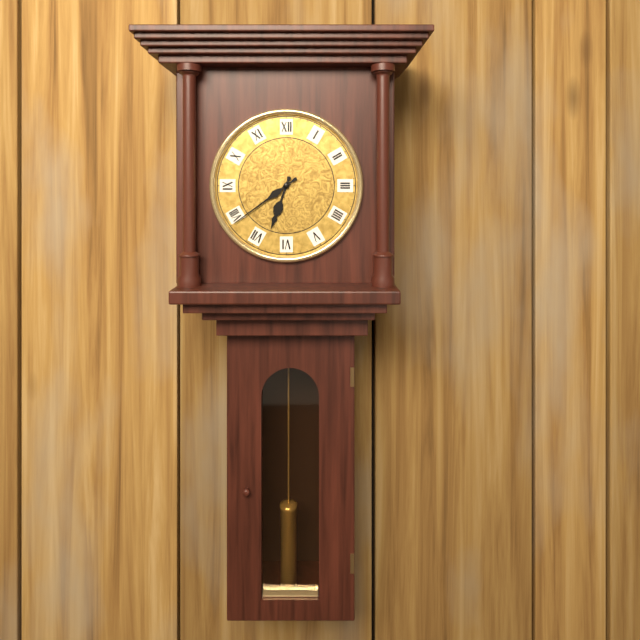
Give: 6:39
